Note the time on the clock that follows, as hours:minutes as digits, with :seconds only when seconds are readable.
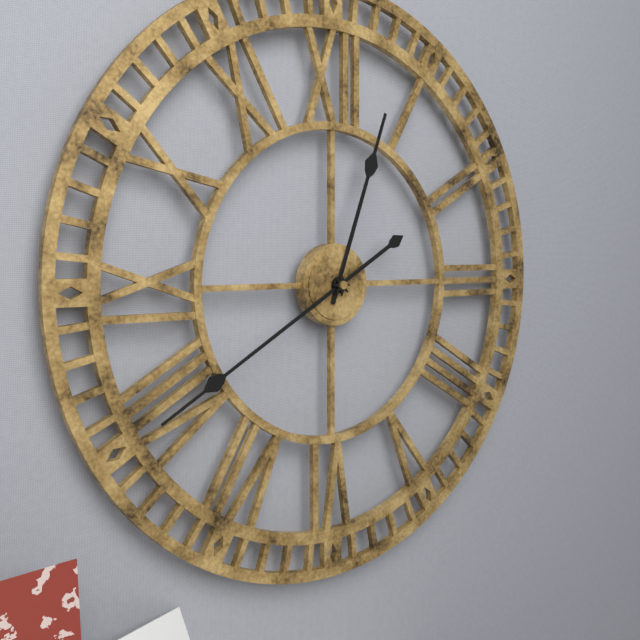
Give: 12:40
